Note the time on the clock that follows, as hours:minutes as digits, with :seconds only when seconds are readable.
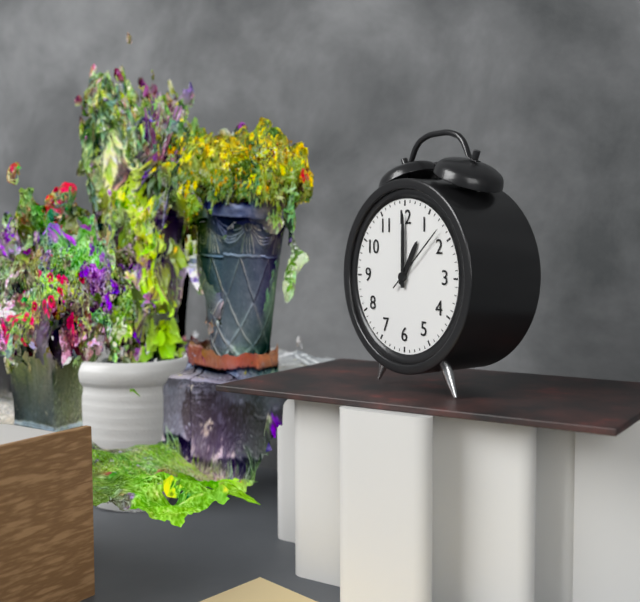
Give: 1:00:08
